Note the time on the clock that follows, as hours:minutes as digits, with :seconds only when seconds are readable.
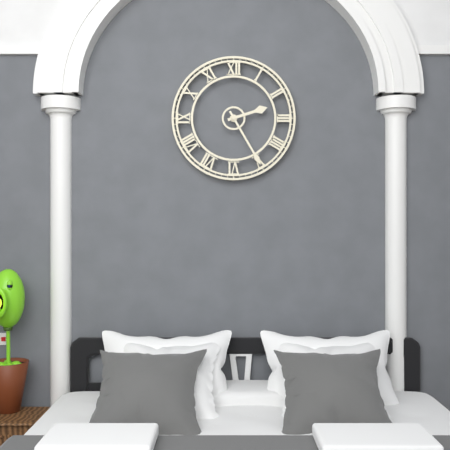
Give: 2:25
